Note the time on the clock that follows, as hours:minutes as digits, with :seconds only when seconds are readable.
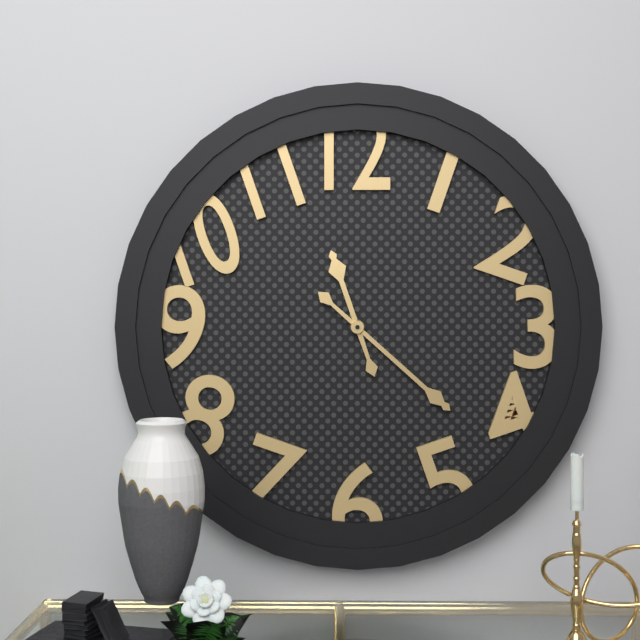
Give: 11:22
